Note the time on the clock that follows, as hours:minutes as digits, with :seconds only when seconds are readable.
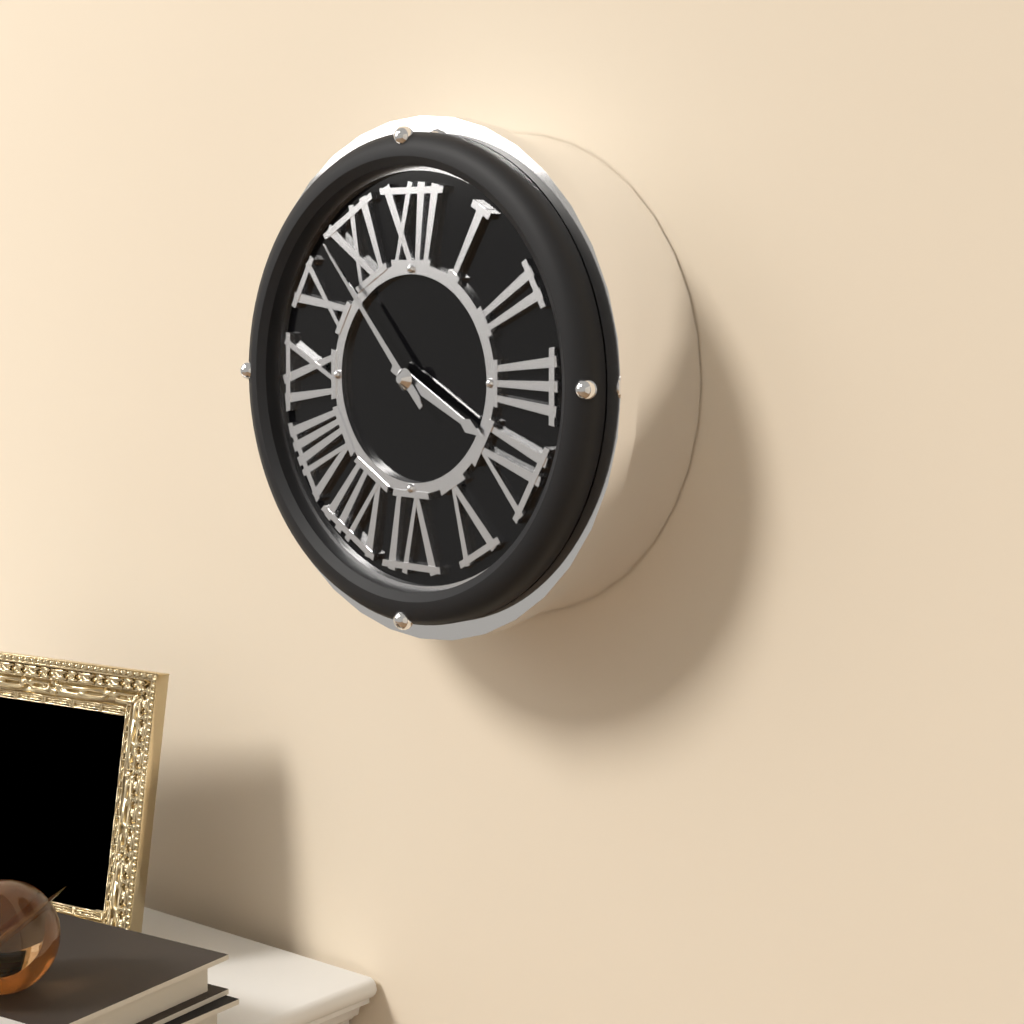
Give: 3:53
